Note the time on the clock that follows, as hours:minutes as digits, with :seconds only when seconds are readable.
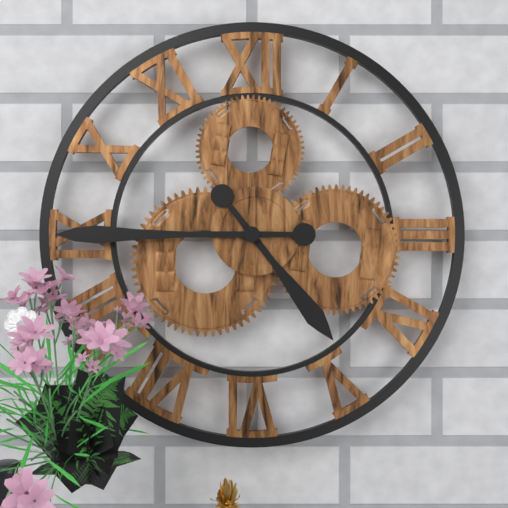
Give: 4:45
